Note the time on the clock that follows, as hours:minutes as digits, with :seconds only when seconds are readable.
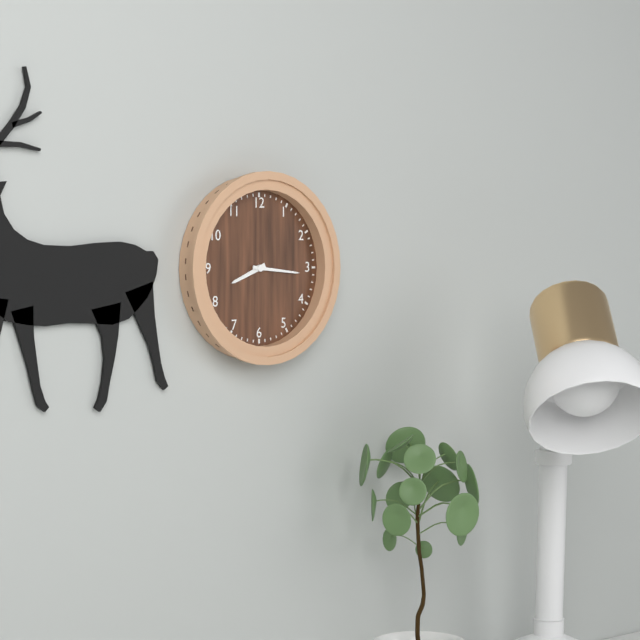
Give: 8:16
